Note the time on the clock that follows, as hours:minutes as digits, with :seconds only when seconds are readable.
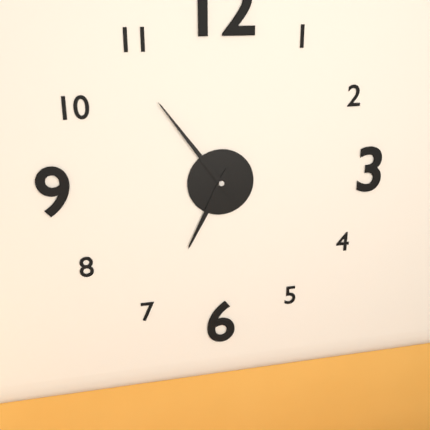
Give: 6:54
